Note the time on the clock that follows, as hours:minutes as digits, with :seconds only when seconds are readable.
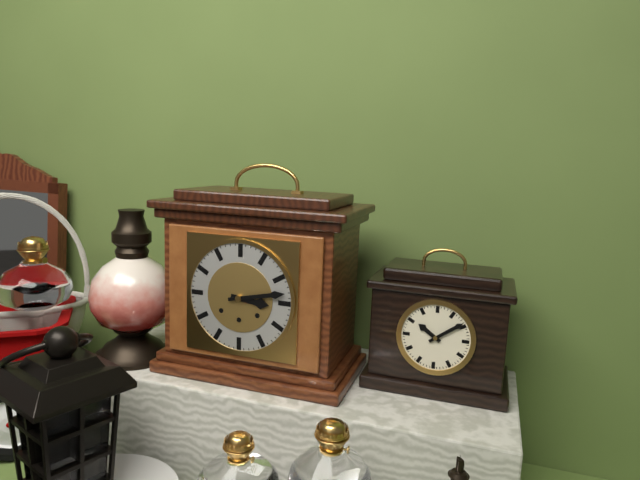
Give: 3:13
